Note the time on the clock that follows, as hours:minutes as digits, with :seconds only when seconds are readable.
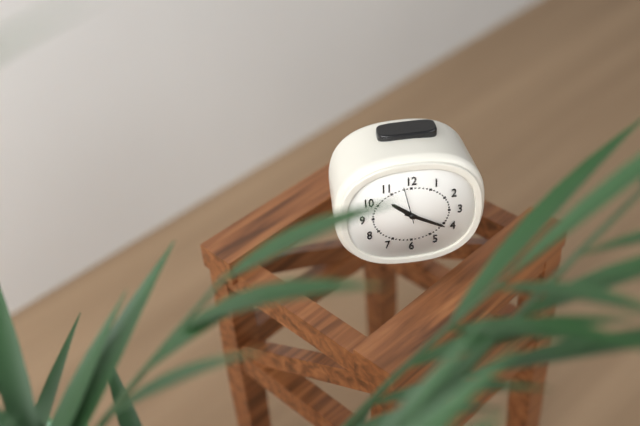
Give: 10:20
